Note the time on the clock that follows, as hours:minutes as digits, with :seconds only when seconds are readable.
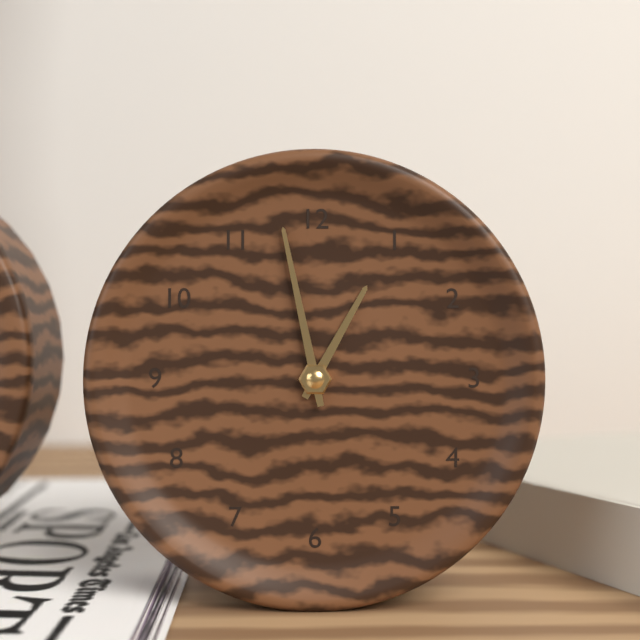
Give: 12:58
